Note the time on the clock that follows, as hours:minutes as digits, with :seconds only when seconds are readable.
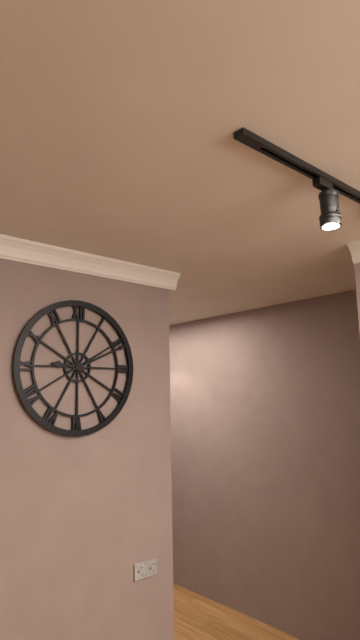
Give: 9:11
